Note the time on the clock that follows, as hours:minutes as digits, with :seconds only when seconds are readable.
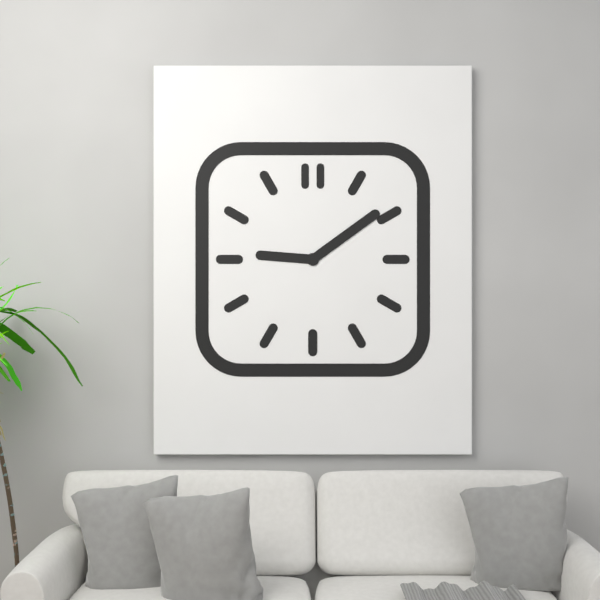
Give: 9:09
